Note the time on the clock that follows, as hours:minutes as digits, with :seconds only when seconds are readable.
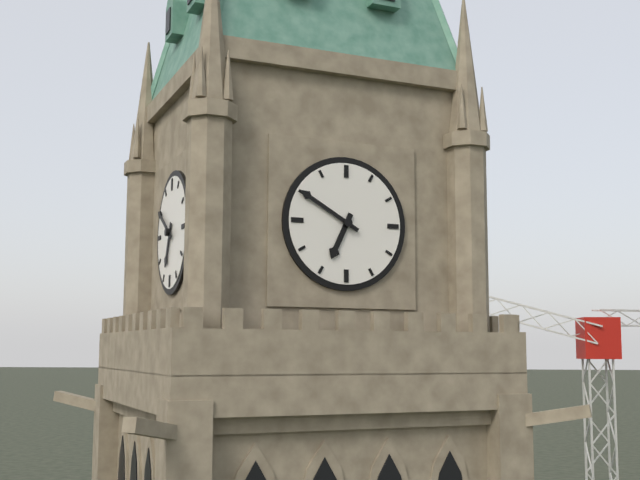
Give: 6:50
